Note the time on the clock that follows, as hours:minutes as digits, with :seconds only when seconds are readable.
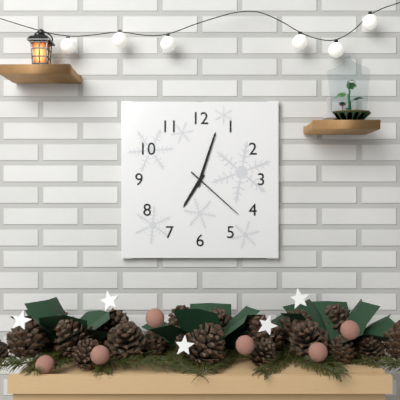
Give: 7:03:22
